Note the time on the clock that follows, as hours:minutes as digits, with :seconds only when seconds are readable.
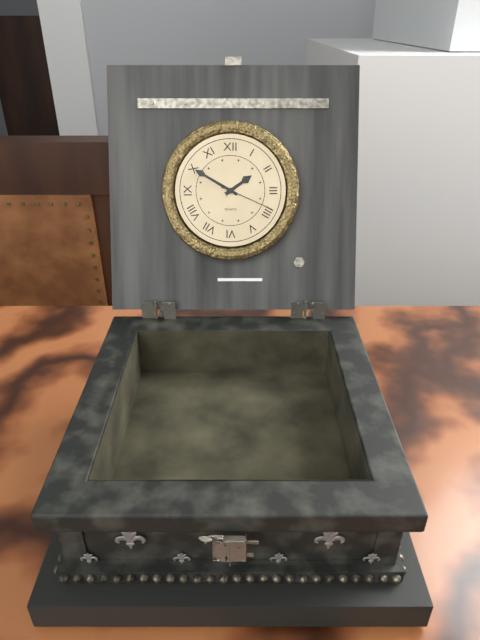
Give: 1:50:19
